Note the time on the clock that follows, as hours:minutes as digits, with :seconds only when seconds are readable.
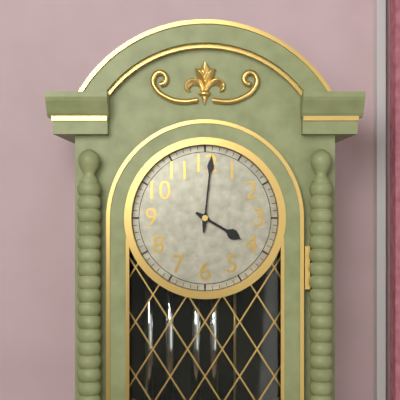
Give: 4:01
